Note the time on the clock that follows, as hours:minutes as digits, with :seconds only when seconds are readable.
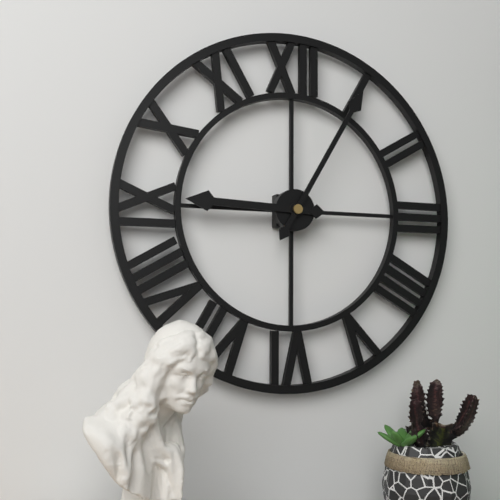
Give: 9:05
